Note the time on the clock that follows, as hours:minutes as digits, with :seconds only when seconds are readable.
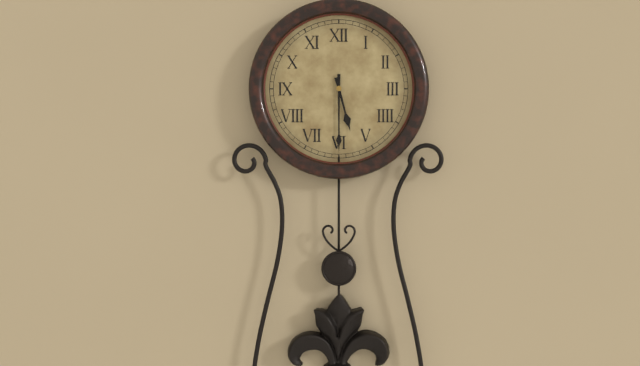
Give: 5:30
